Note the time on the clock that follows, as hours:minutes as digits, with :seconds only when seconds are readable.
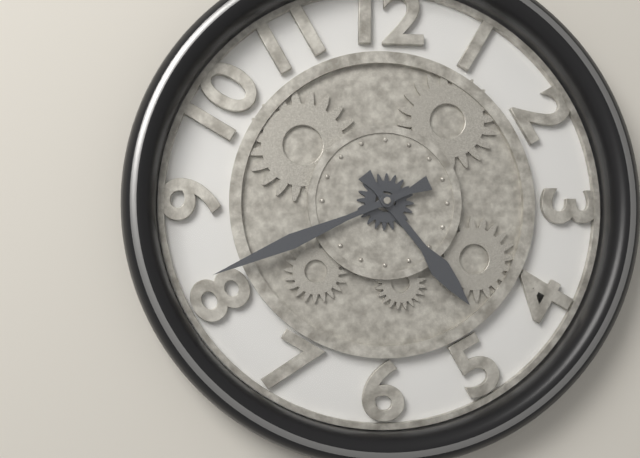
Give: 4:41
